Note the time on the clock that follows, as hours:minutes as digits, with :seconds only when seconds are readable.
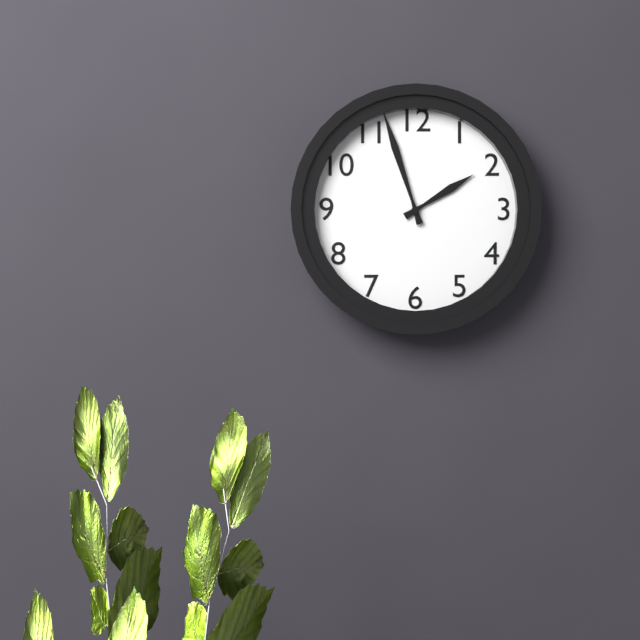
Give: 1:57
